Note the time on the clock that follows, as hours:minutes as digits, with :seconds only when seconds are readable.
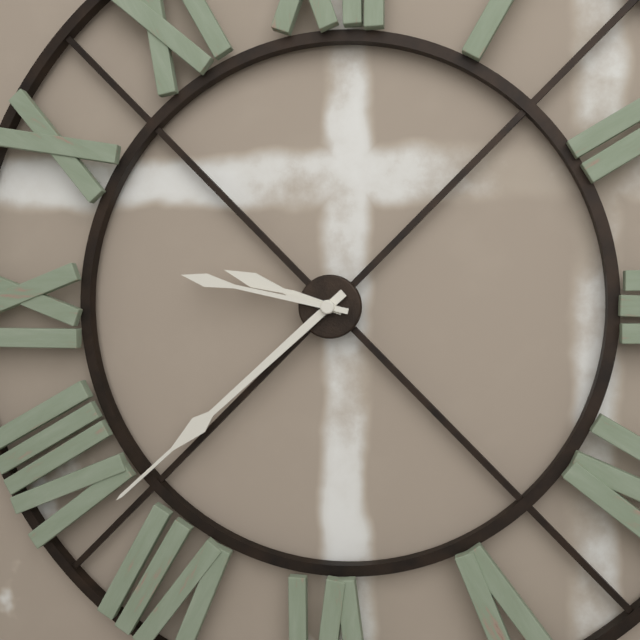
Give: 9:38:47
